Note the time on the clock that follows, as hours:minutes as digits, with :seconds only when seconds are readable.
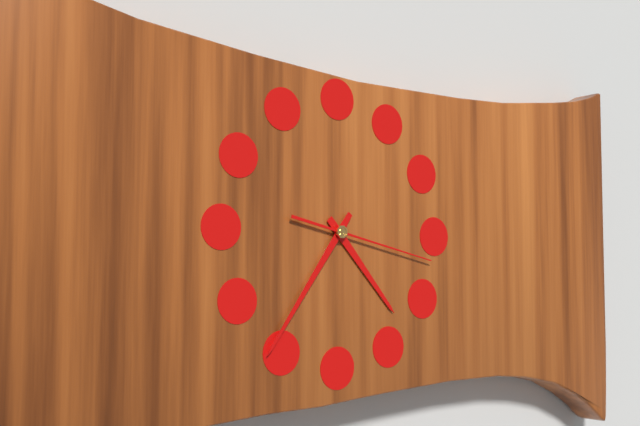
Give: 4:36:17
